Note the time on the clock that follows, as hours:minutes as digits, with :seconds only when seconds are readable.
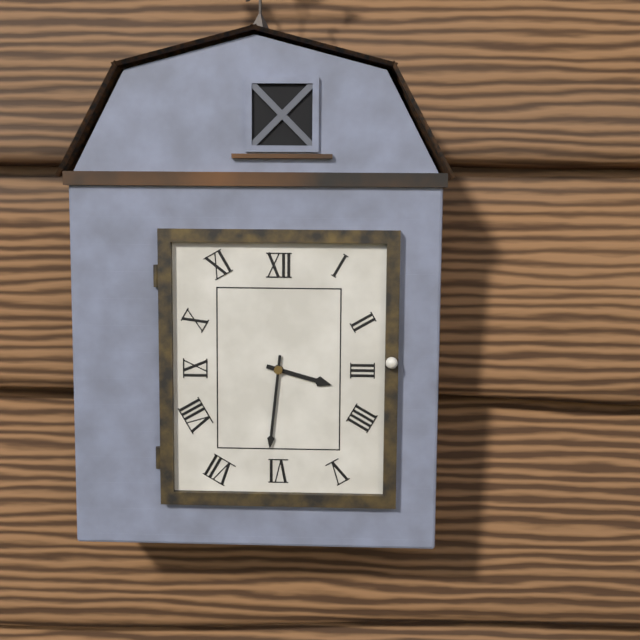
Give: 3:31
